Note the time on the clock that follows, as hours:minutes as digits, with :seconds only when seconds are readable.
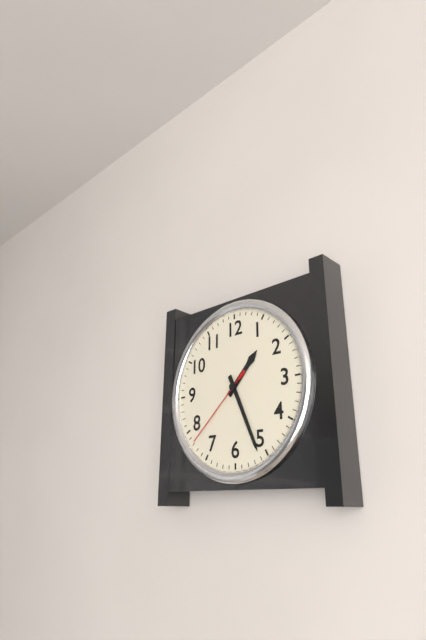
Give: 1:26:38
